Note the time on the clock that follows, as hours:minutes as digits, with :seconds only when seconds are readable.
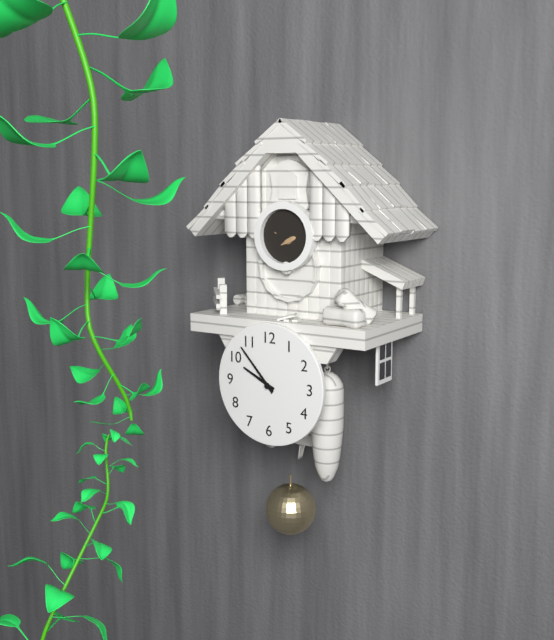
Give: 9:53
